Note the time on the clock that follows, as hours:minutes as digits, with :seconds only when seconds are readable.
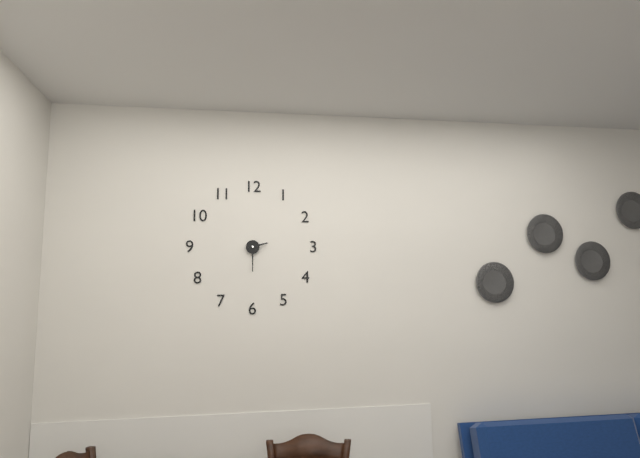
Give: 2:30
